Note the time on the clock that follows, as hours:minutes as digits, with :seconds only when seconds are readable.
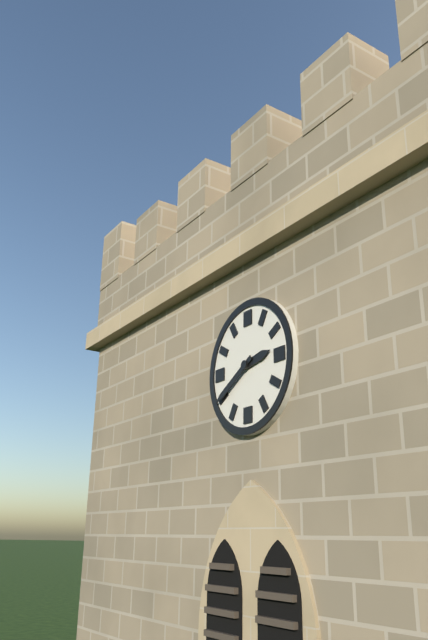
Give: 2:40
